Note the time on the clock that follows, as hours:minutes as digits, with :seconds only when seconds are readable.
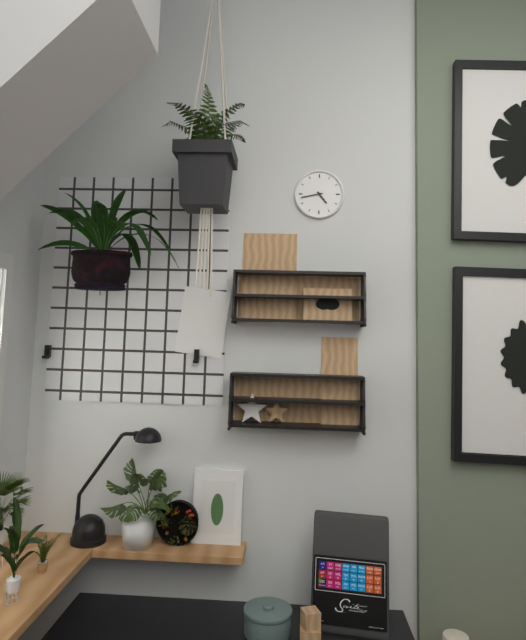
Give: 4:43
